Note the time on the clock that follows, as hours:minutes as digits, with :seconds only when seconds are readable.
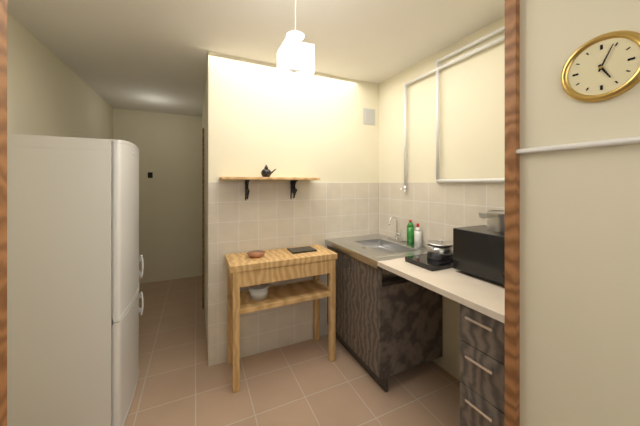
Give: 5:04
